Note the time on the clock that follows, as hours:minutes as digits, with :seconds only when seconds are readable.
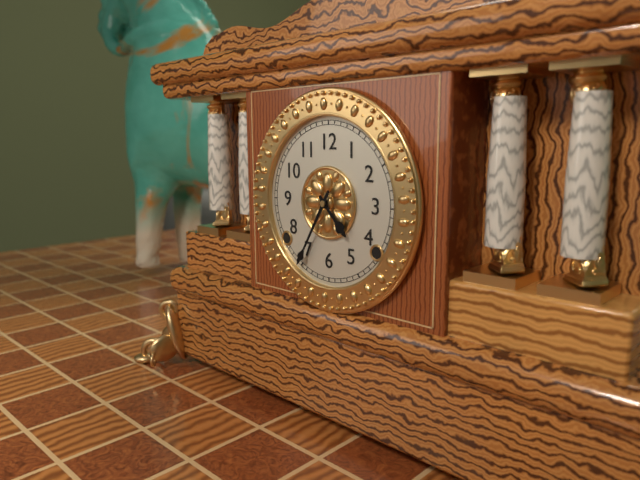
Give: 4:35
